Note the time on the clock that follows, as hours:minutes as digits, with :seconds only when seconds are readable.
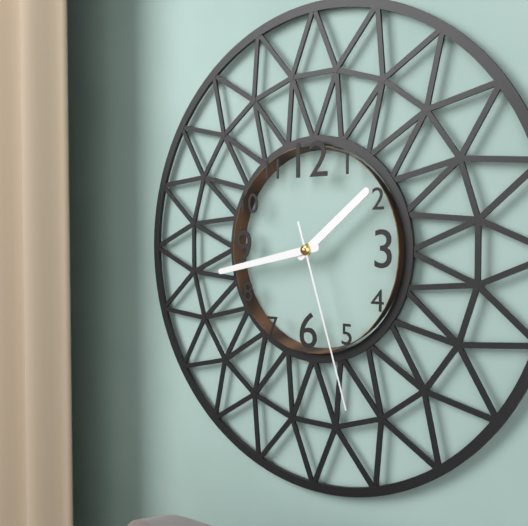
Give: 1:43:27
